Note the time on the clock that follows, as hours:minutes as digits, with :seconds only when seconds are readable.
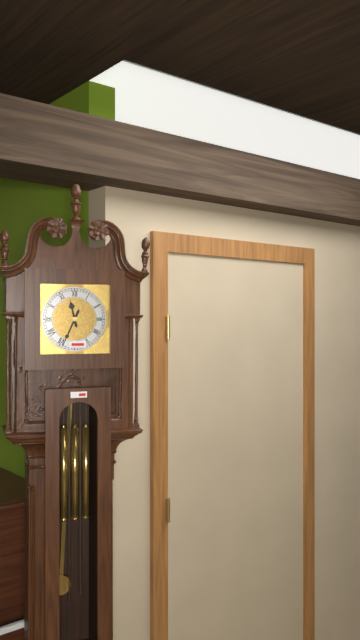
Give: 11:34
